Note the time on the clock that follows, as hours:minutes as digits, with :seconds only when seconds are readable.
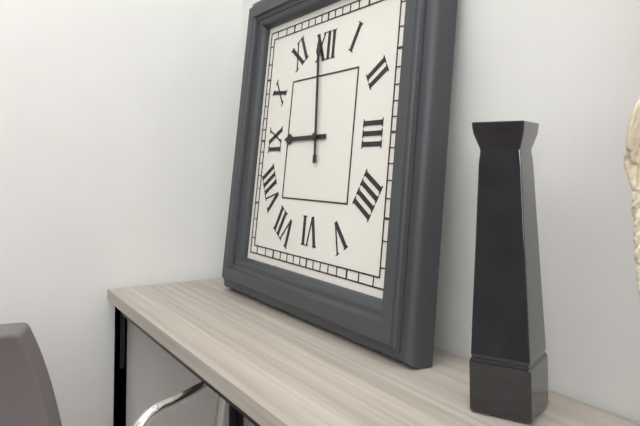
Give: 8:59
